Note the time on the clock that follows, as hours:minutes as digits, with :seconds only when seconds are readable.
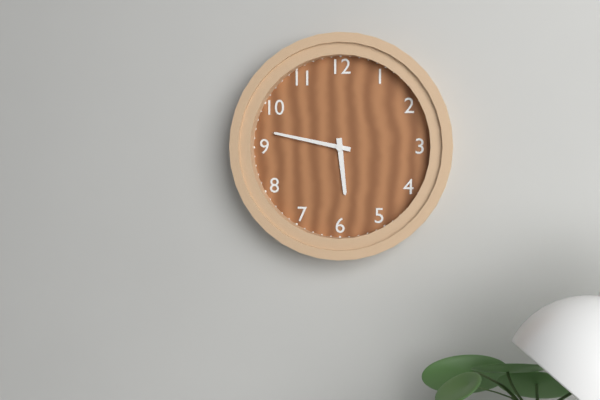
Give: 5:47
